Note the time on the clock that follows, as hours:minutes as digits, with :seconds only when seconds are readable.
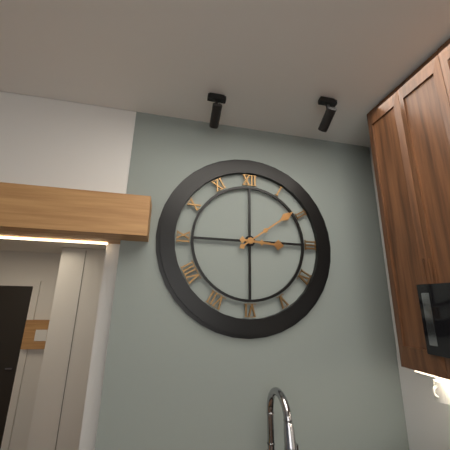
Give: 3:09
